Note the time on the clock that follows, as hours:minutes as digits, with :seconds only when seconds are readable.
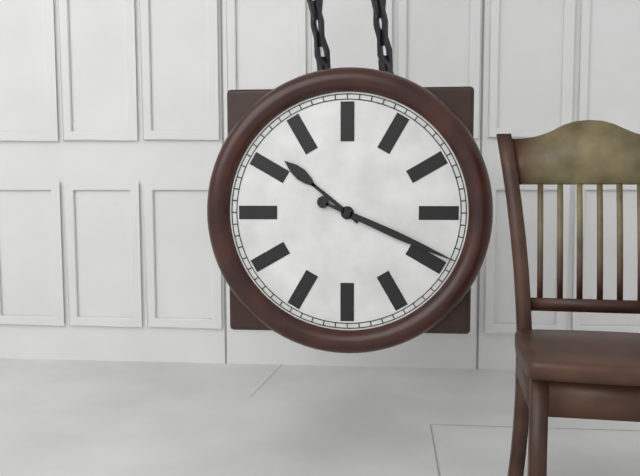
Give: 10:19
